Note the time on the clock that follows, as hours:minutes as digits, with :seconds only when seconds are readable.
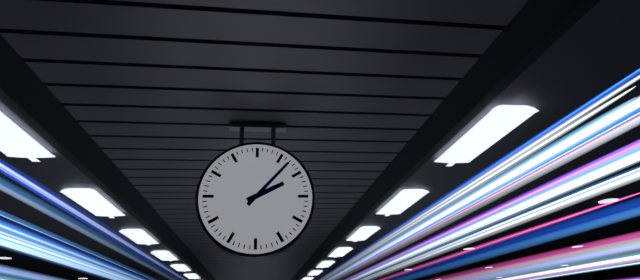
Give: 2:07
